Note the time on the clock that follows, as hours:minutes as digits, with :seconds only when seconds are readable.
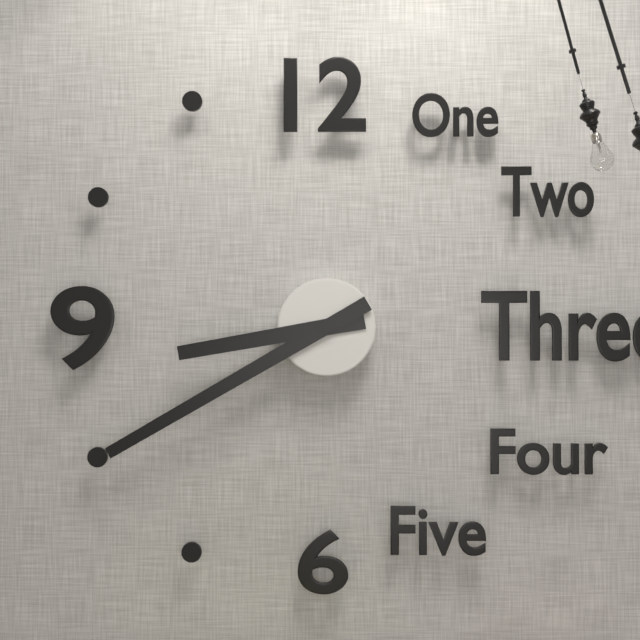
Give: 8:40
